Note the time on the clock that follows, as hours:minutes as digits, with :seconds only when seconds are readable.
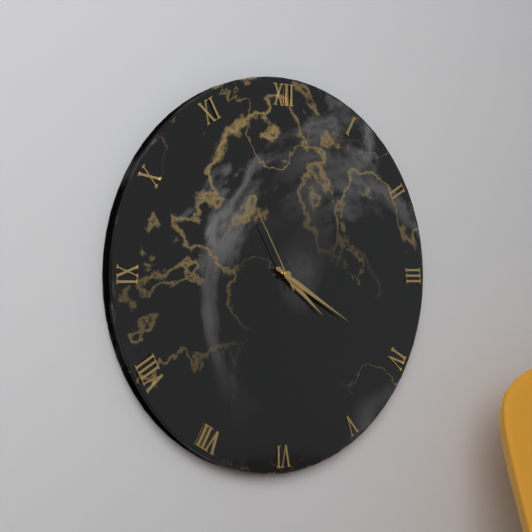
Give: 4:20:55
